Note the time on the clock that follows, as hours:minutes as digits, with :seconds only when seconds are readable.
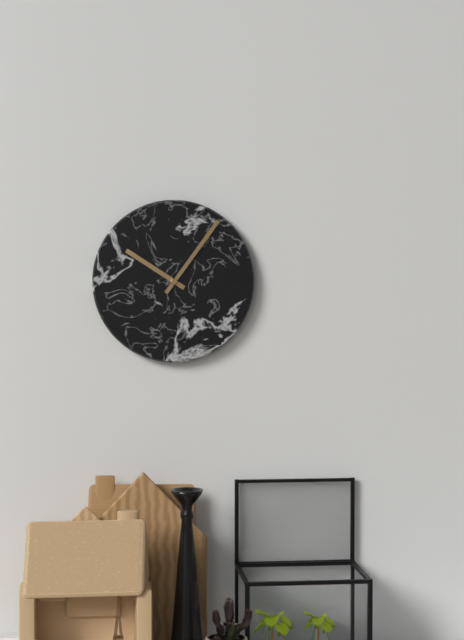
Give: 10:06
